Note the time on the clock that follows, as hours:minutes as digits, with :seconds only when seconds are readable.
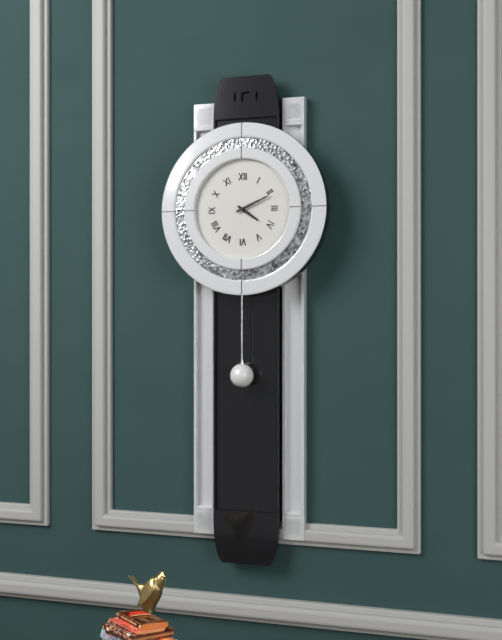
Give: 4:11
